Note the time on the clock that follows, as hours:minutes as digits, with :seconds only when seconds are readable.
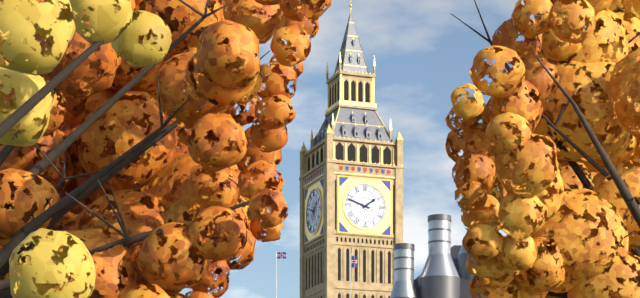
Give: 1:48
